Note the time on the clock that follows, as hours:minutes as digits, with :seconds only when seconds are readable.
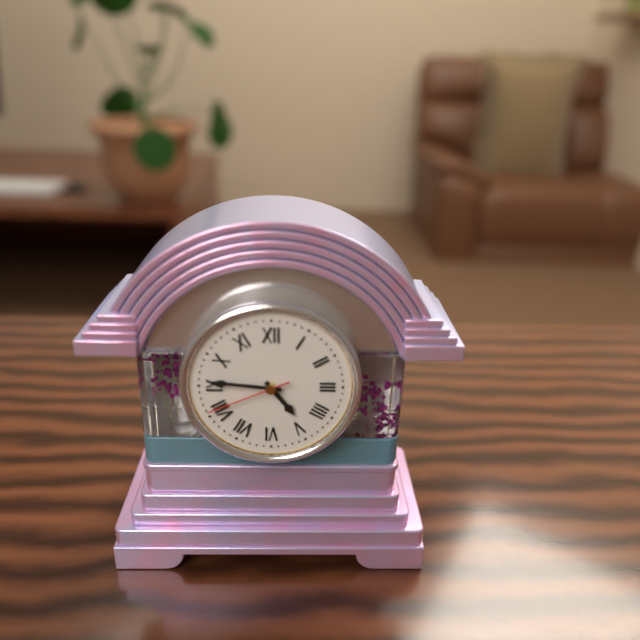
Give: 4:46:41
